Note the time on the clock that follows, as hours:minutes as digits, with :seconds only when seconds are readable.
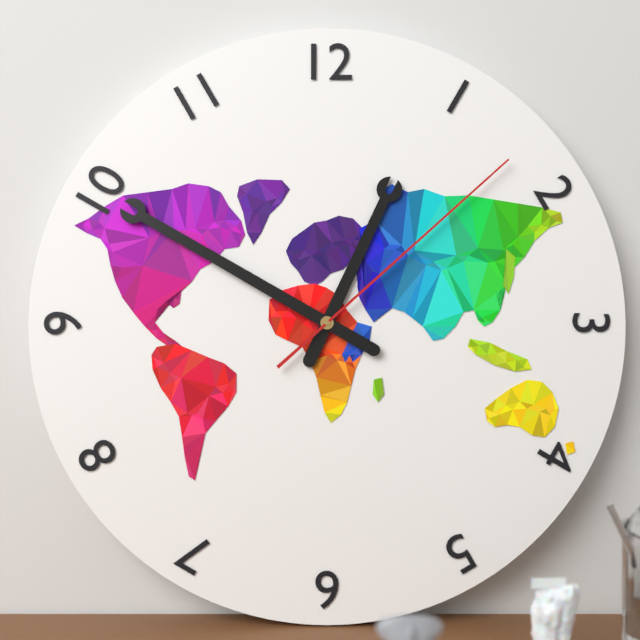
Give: 12:50:08
